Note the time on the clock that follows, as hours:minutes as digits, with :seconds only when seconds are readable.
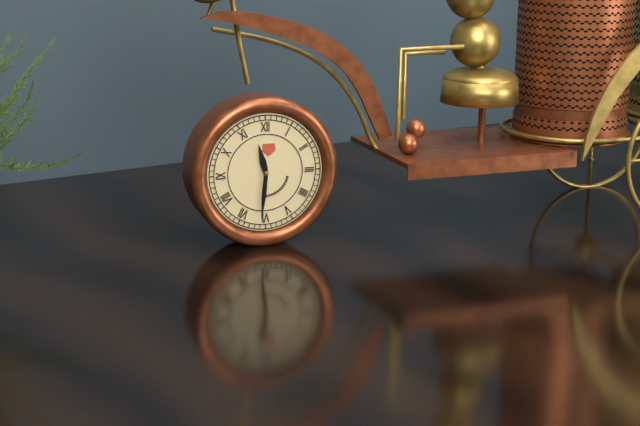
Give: 11:31
